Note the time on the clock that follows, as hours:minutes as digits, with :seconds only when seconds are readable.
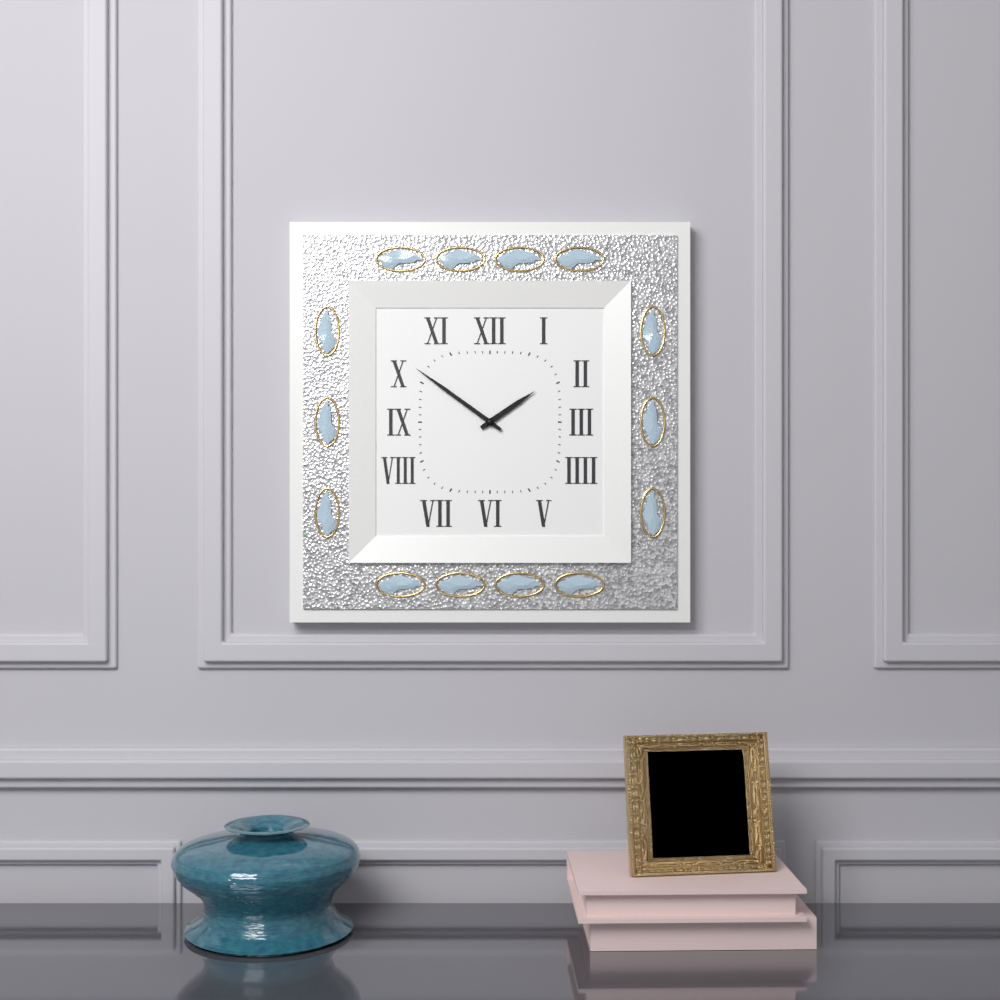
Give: 1:51
